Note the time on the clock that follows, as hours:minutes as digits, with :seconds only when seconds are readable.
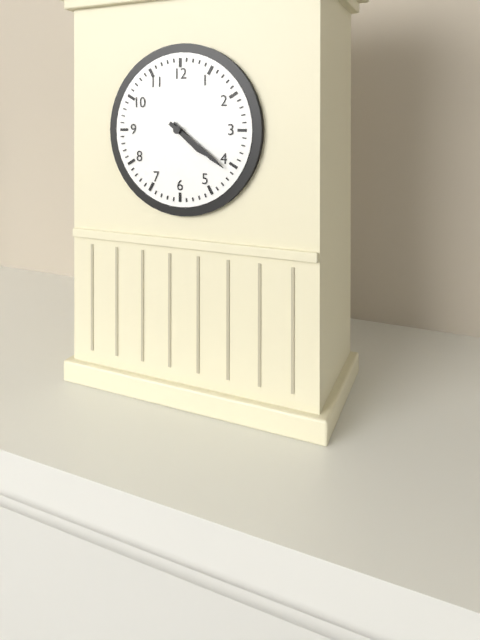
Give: 4:21
